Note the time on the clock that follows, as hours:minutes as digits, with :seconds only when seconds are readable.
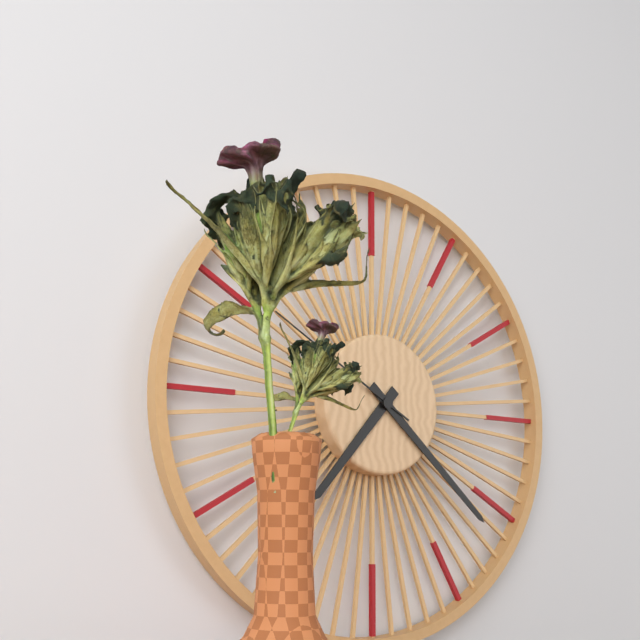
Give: 7:22:50
